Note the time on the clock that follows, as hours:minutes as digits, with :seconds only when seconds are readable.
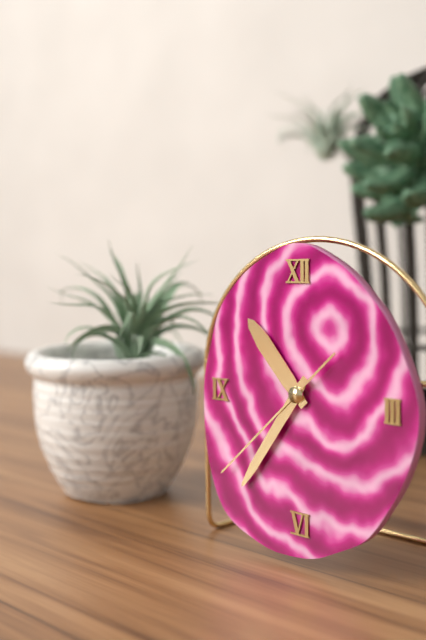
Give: 10:36:38
